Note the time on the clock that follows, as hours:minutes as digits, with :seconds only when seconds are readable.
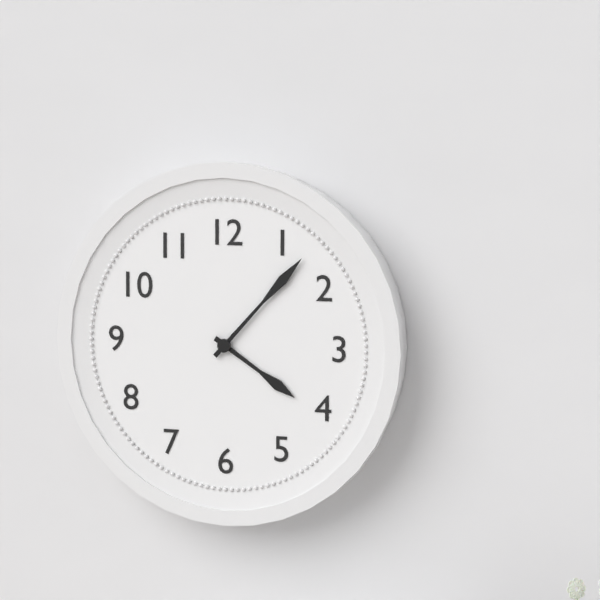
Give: 4:07
